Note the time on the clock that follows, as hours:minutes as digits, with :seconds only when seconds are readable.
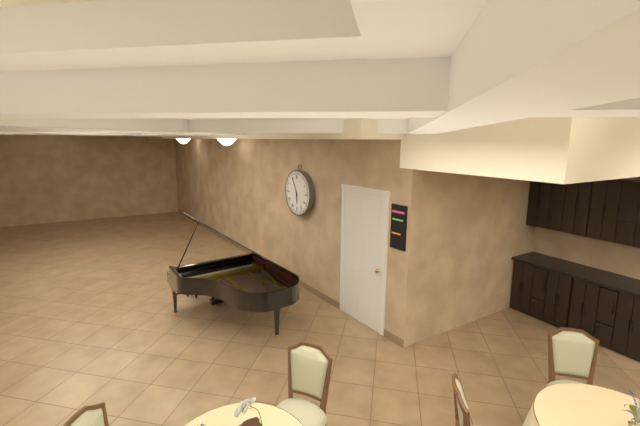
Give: 5:55
